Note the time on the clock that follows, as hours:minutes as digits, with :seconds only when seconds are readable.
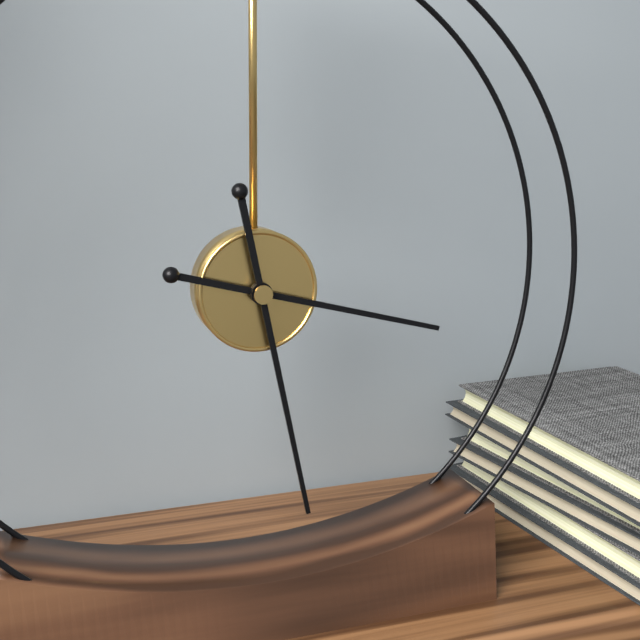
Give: 3:28
